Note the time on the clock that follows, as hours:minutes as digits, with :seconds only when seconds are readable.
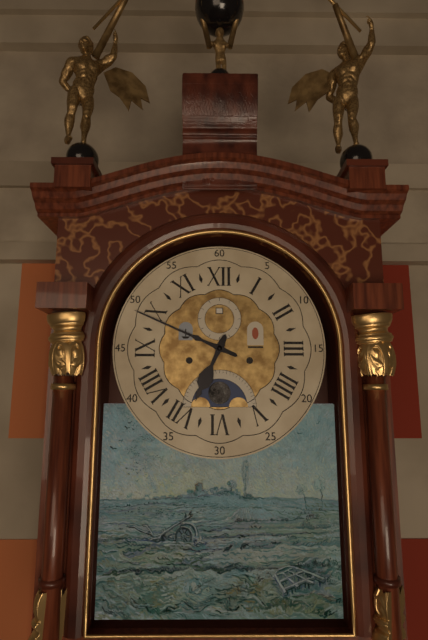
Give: 6:49
